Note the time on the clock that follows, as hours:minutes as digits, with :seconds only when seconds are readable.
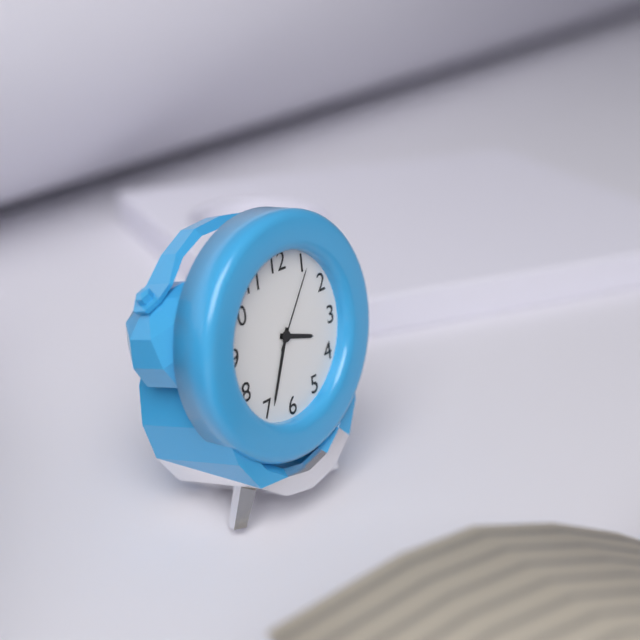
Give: 3:34:06
